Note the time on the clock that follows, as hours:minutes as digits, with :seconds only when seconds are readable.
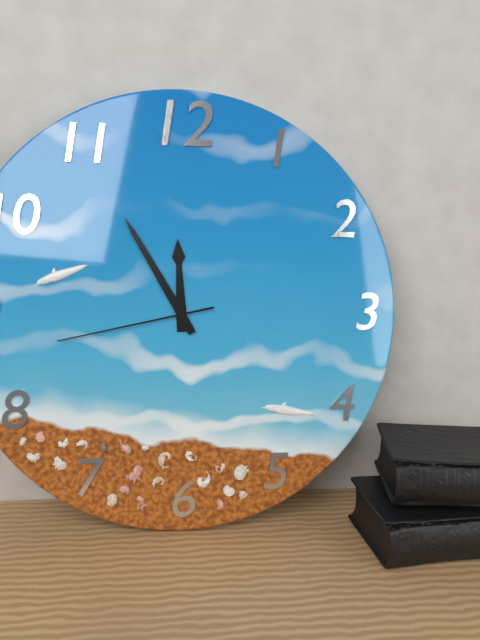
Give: 11:55:43
